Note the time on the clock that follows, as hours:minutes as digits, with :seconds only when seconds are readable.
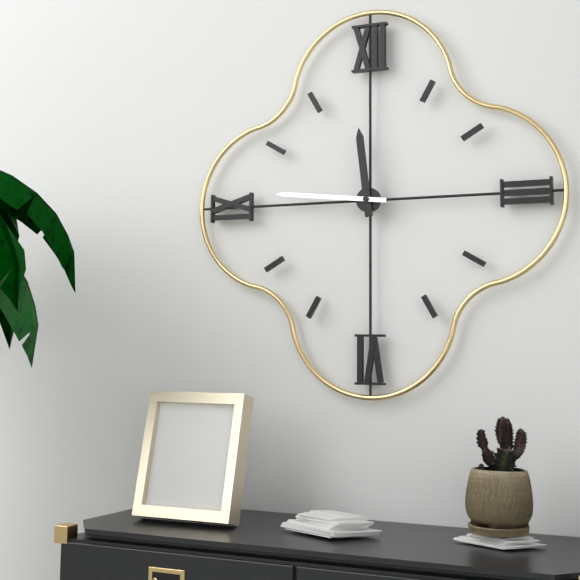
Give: 11:46
